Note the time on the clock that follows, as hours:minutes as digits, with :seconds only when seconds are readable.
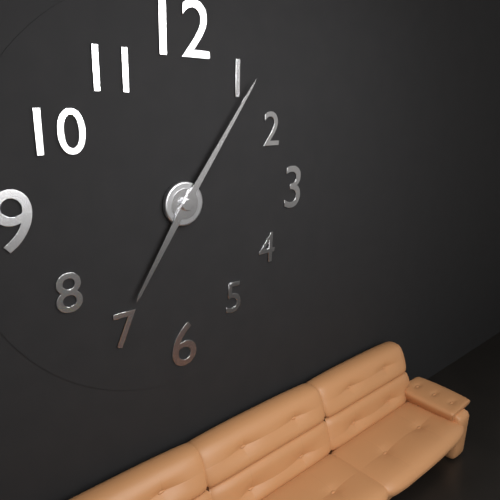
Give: 7:06
